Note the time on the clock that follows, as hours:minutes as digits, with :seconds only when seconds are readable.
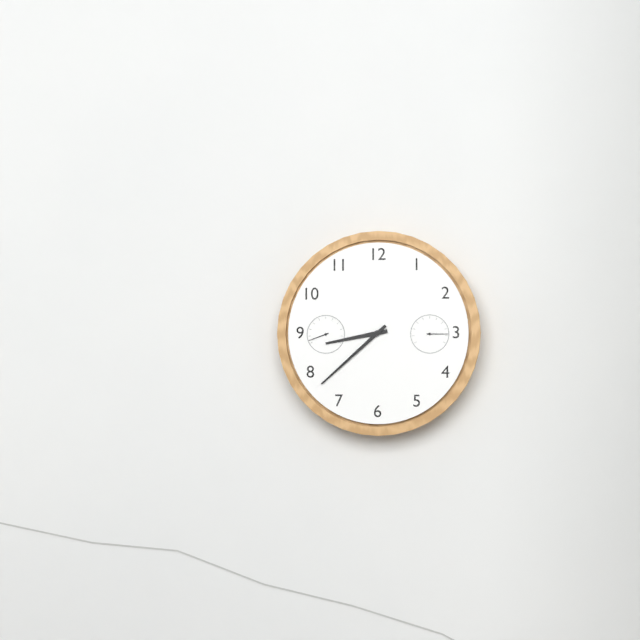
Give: 8:38
